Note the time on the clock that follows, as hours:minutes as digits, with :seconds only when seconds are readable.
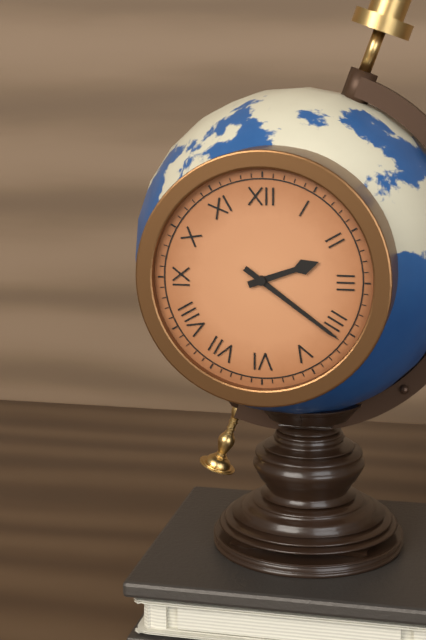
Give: 2:21
